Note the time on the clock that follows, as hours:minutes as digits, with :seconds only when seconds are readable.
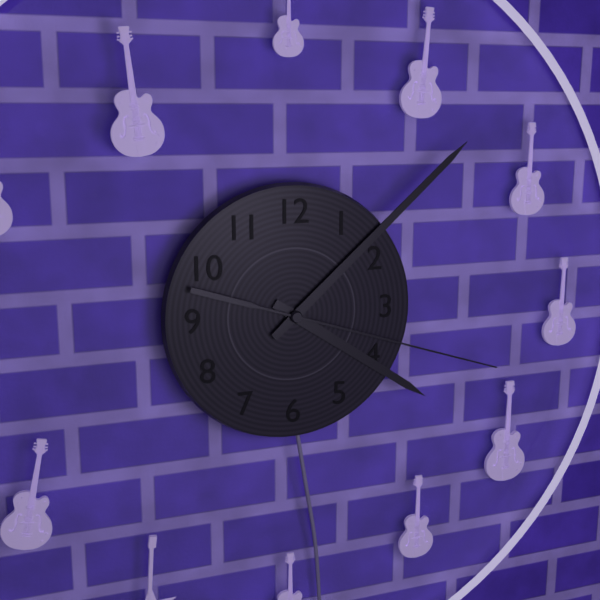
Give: 4:08:18
